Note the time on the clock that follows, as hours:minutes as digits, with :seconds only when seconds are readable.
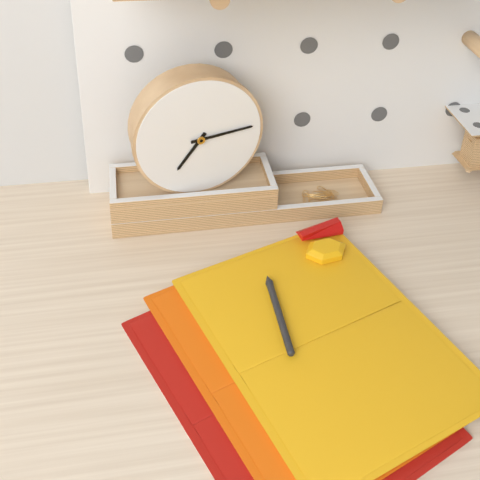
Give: 7:14
